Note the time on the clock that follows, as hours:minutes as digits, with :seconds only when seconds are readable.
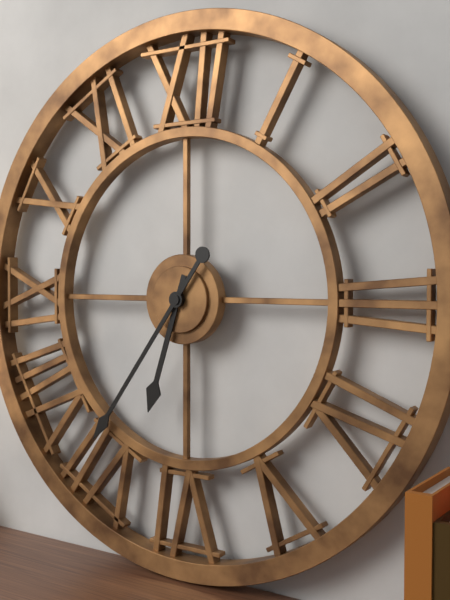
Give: 6:36
